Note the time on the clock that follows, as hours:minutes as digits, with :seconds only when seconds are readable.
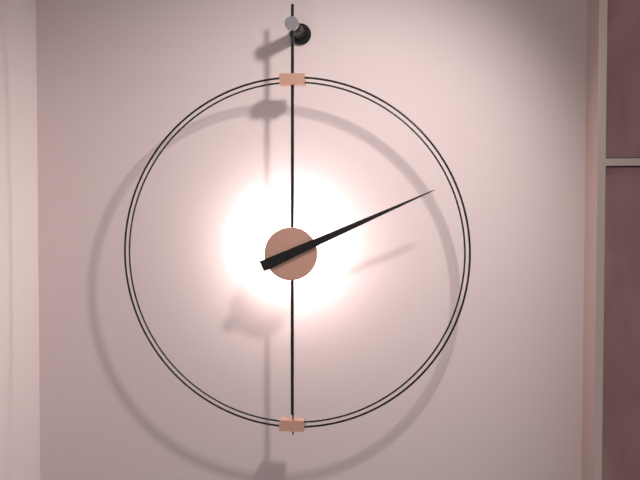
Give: 2:11
